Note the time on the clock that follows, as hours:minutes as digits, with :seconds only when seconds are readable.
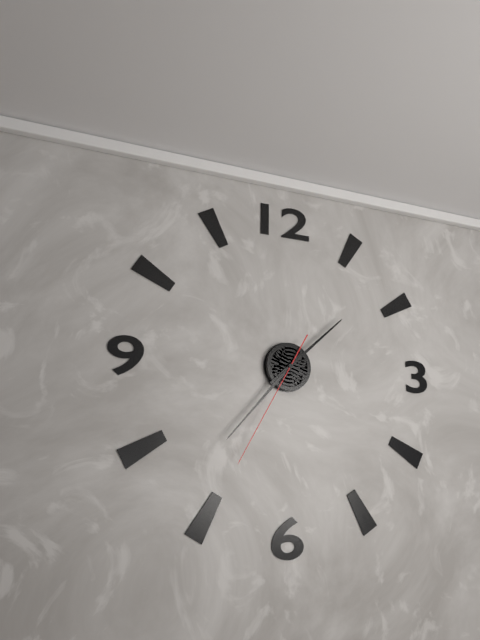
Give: 1:37:35
